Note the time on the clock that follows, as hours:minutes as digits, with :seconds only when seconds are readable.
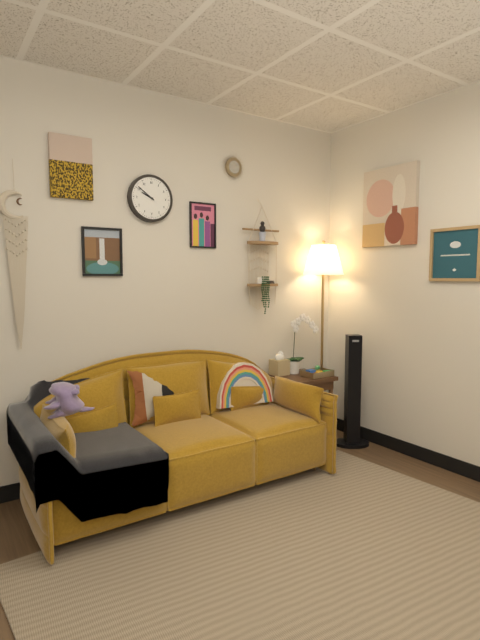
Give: 9:51
